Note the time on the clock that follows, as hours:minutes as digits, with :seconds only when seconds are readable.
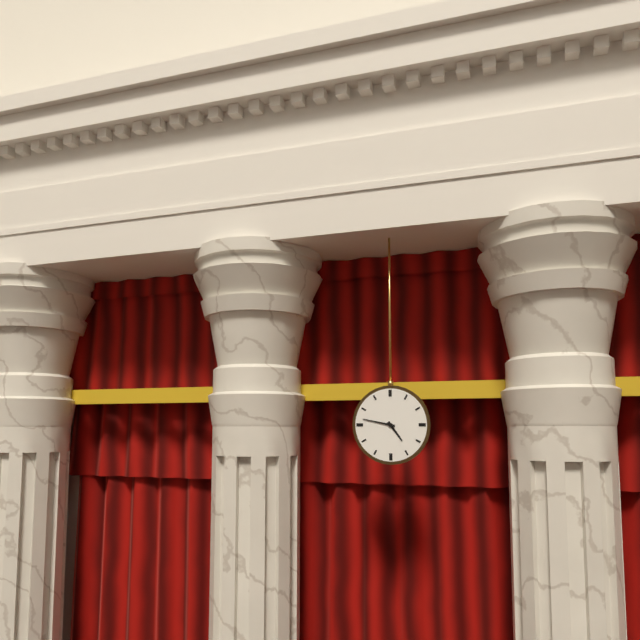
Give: 4:47
